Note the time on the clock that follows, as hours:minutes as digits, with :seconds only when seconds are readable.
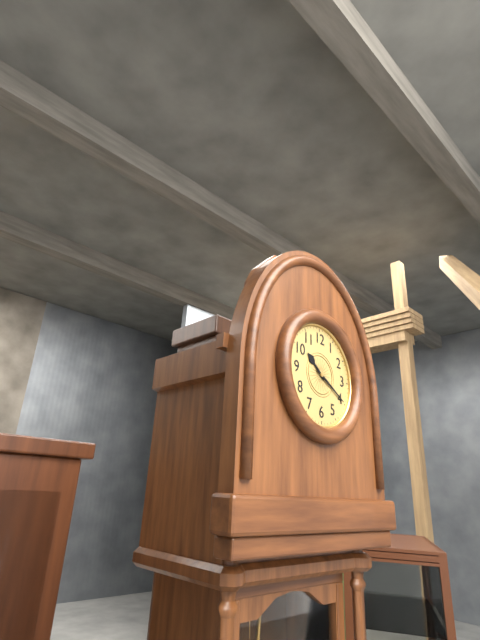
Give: 10:20
